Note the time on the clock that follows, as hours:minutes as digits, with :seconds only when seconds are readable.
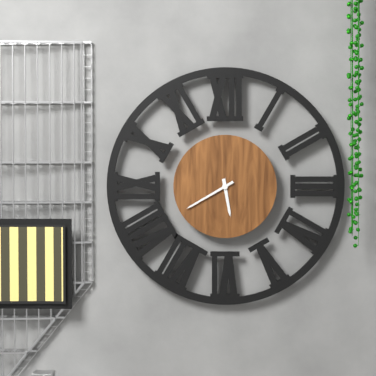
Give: 5:40
